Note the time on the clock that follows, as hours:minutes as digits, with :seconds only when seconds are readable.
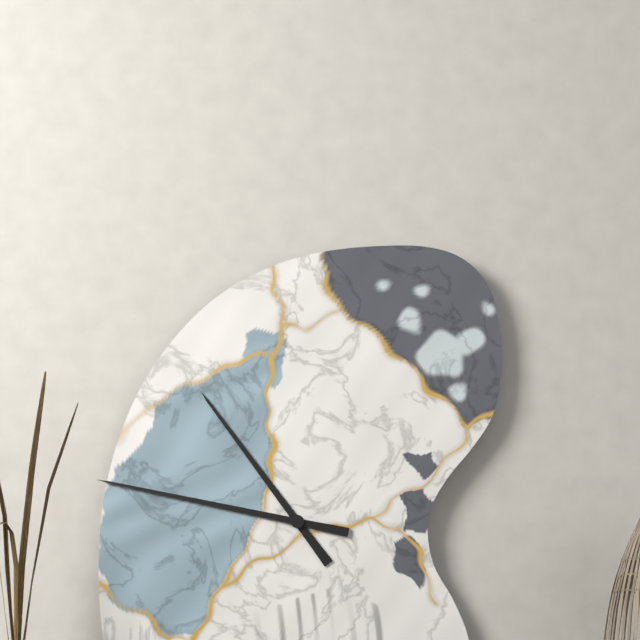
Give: 10:47
